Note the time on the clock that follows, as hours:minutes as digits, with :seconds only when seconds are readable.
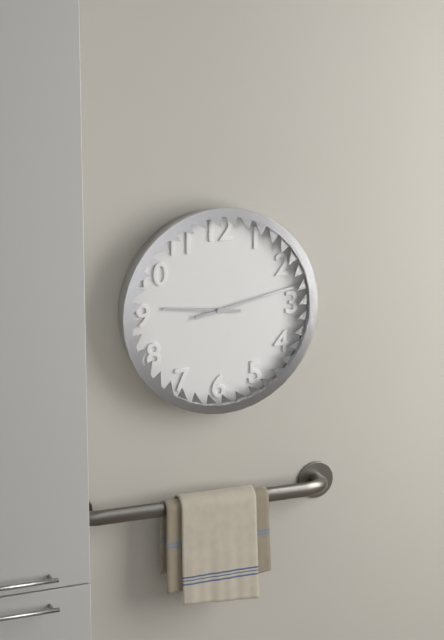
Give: 9:13
